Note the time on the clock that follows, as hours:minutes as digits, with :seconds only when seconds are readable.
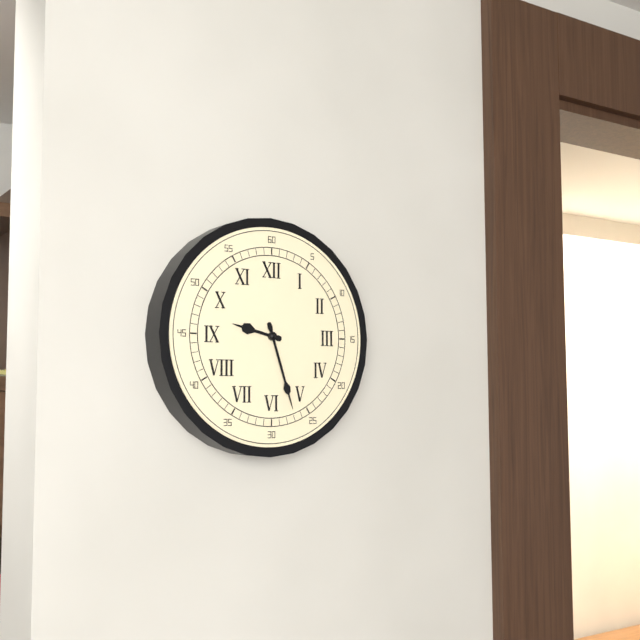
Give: 9:27
